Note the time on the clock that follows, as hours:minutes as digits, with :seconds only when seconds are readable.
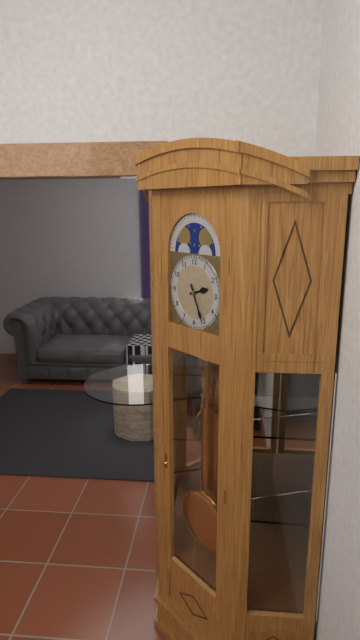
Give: 2:26
